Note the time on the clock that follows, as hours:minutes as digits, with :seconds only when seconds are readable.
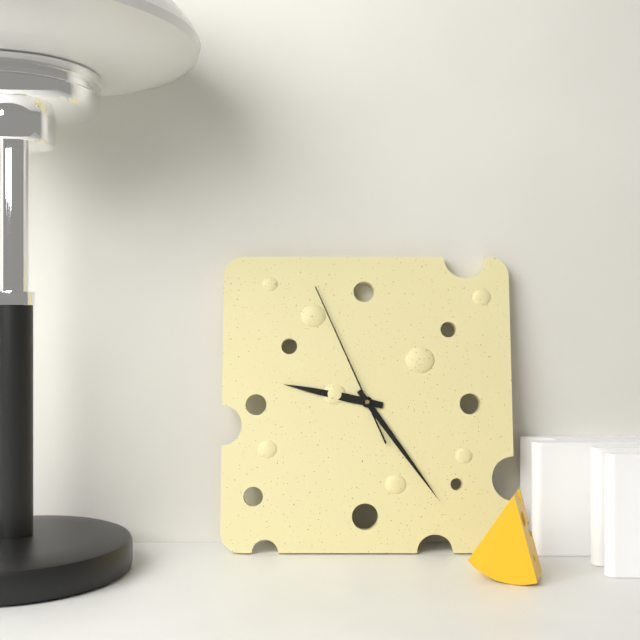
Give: 9:24:56
